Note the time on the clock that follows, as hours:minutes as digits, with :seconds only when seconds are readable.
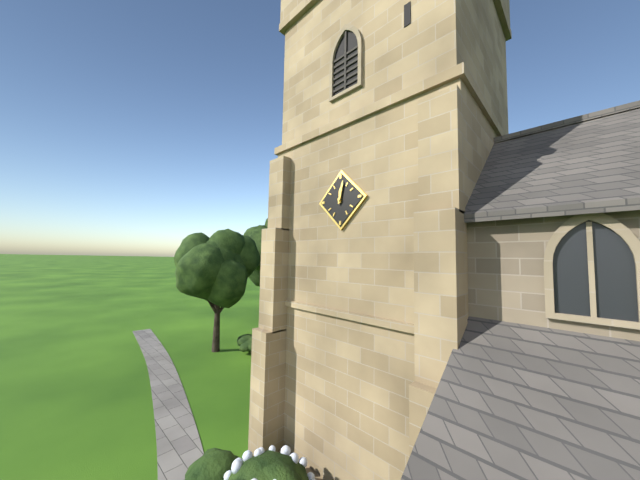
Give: 12:02
